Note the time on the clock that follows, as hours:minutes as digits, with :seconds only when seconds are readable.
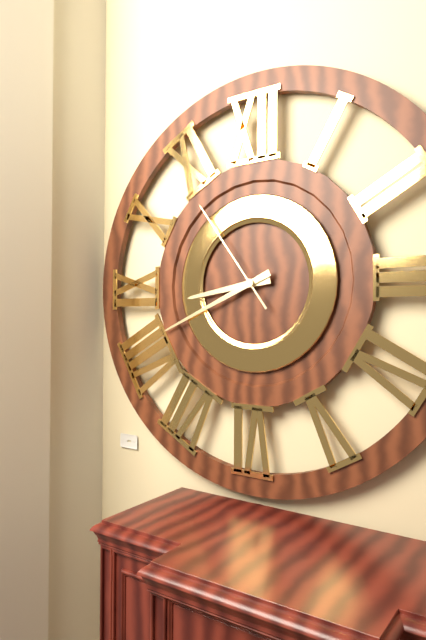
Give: 8:41:54
